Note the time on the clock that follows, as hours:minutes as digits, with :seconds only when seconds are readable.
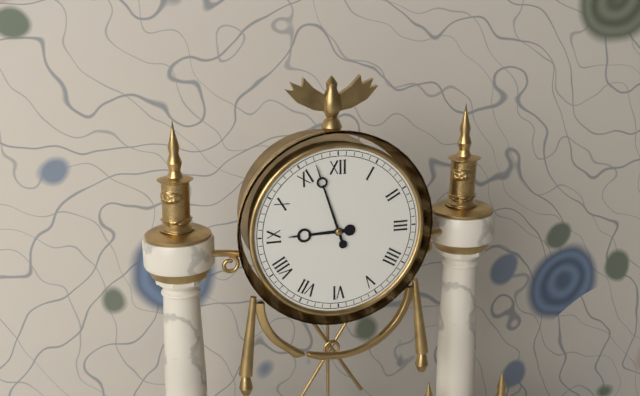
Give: 8:57
